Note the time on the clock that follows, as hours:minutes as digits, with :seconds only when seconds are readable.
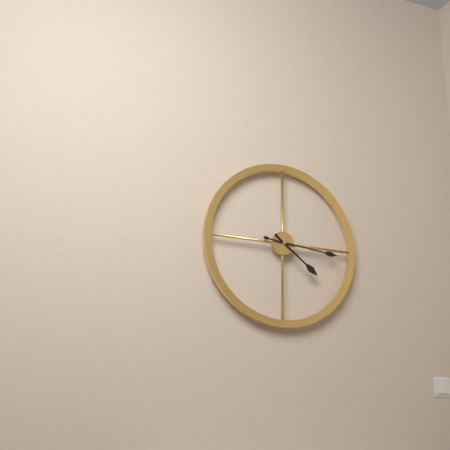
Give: 4:16
